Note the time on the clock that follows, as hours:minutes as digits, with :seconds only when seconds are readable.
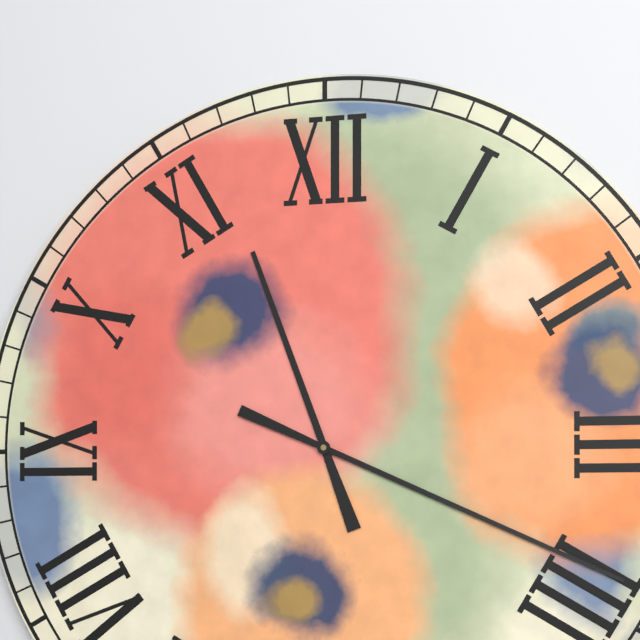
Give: 11:19
